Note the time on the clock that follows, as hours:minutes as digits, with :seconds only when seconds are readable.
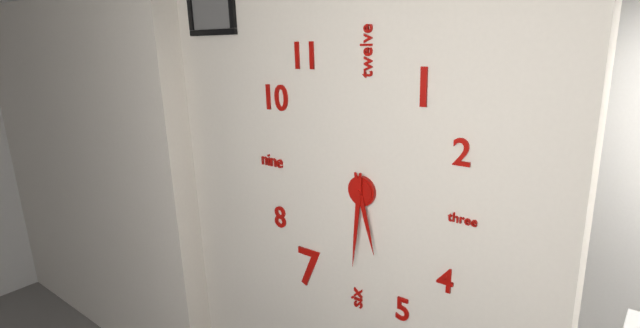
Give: 5:31
